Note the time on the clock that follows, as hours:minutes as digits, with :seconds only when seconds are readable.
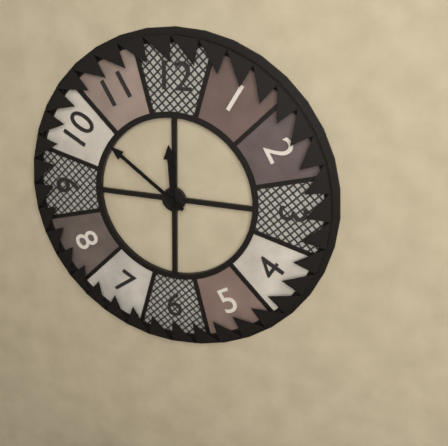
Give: 11:51
